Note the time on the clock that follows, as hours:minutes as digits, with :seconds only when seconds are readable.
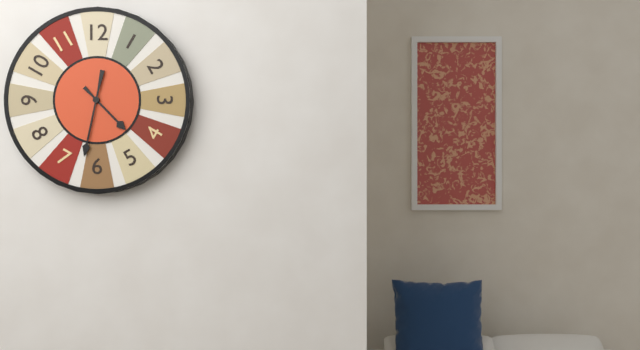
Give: 4:32
